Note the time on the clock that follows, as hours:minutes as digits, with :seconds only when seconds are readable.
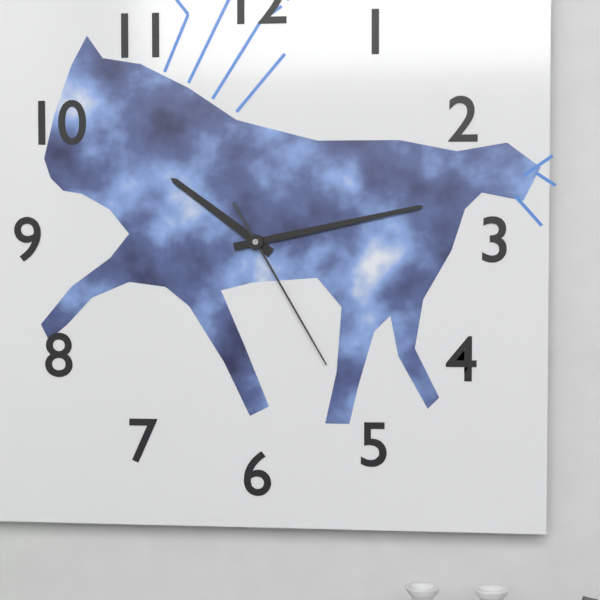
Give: 10:13:25
